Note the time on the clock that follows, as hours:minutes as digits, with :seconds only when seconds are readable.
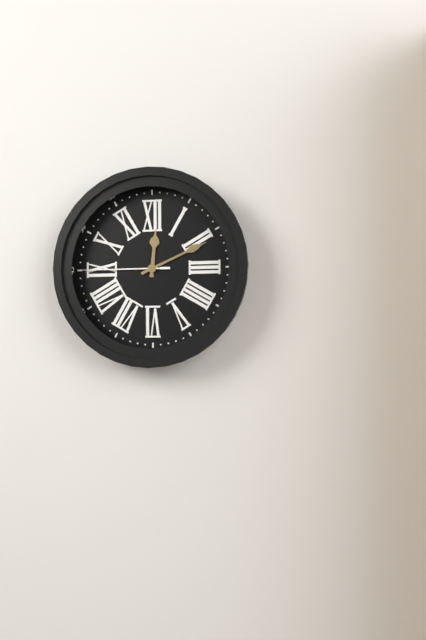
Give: 12:11:45
